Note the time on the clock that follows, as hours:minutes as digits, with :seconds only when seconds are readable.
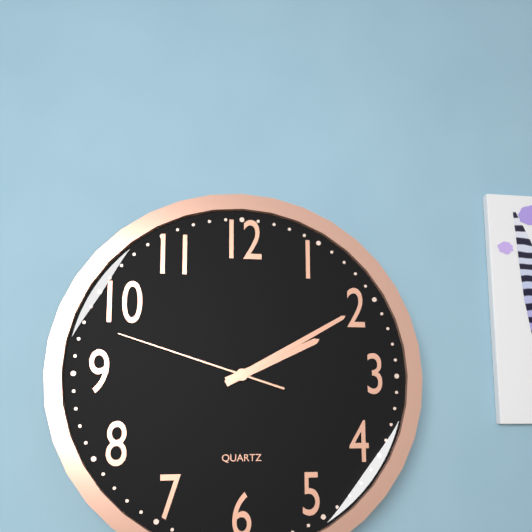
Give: 2:10:48
